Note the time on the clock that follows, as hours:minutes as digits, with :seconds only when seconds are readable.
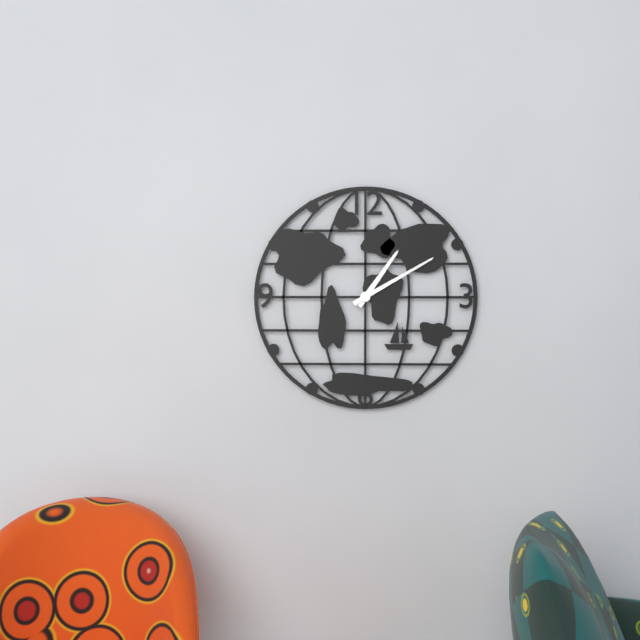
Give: 1:10
